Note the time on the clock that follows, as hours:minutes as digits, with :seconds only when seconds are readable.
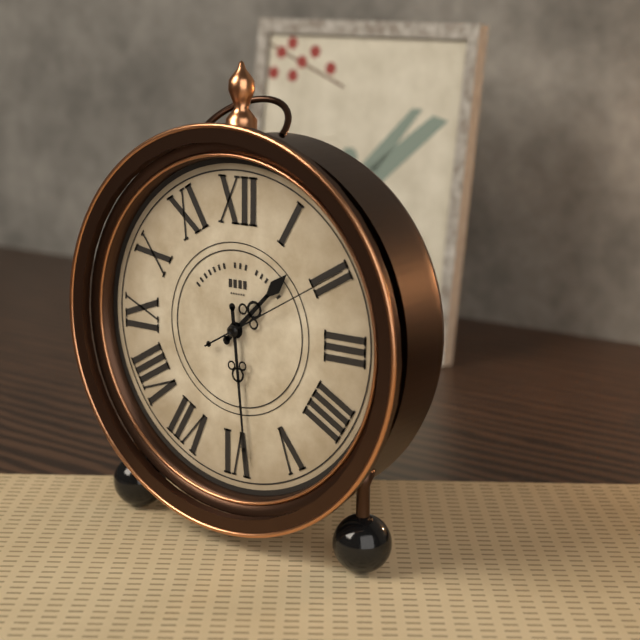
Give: 1:29:10
